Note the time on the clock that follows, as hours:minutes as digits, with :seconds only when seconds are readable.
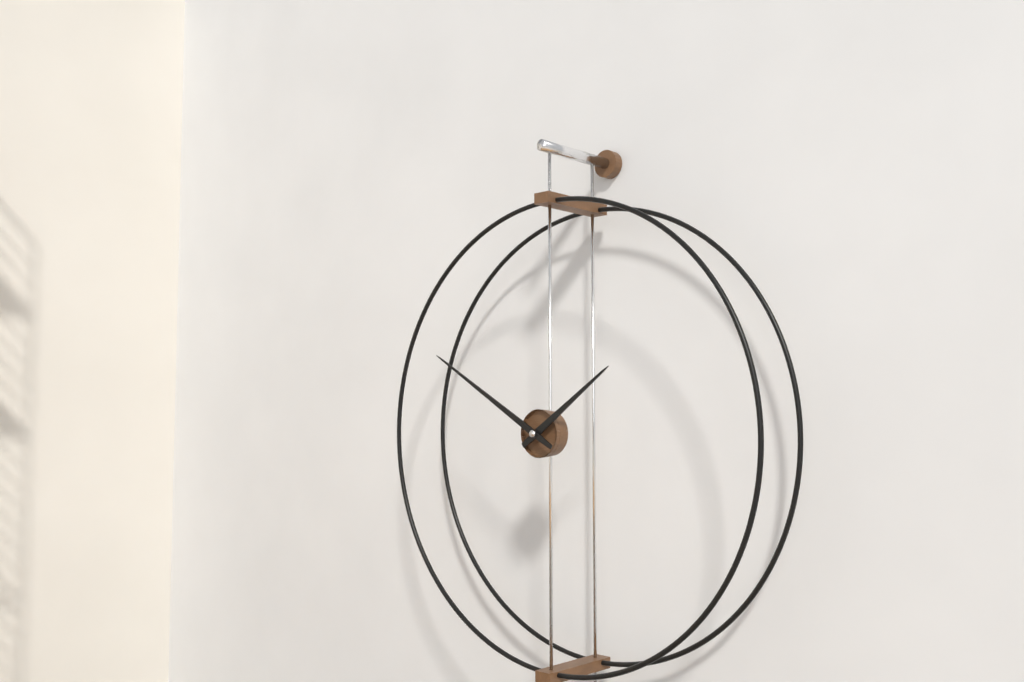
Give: 1:50
